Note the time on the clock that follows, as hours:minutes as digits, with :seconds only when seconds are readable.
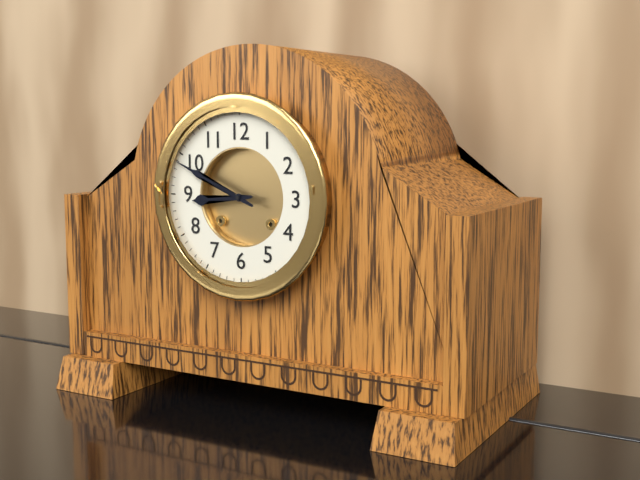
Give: 8:49
